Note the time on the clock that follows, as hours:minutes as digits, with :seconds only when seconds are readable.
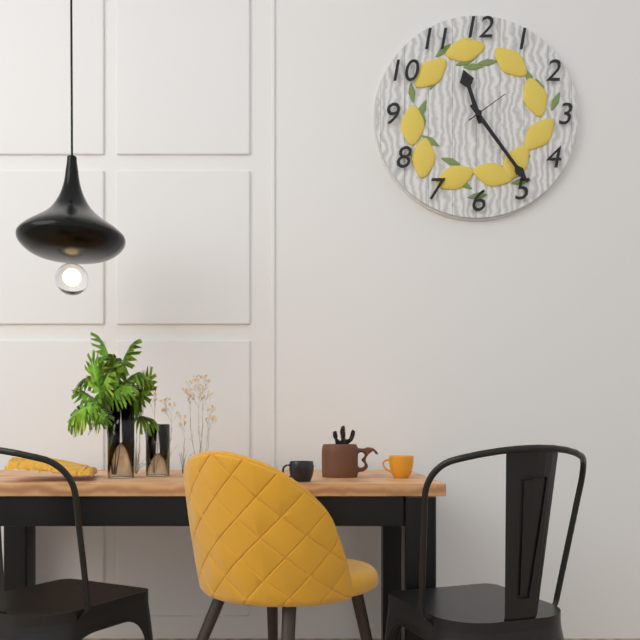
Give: 11:24
